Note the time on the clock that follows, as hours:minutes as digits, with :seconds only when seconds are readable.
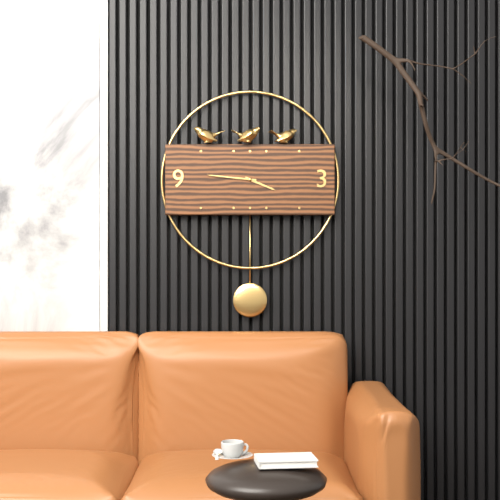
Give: 3:46
